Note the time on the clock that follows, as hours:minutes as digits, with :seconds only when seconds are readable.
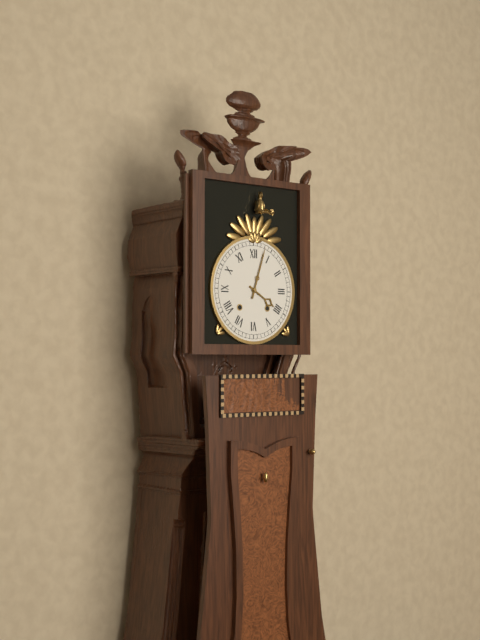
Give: 4:03
